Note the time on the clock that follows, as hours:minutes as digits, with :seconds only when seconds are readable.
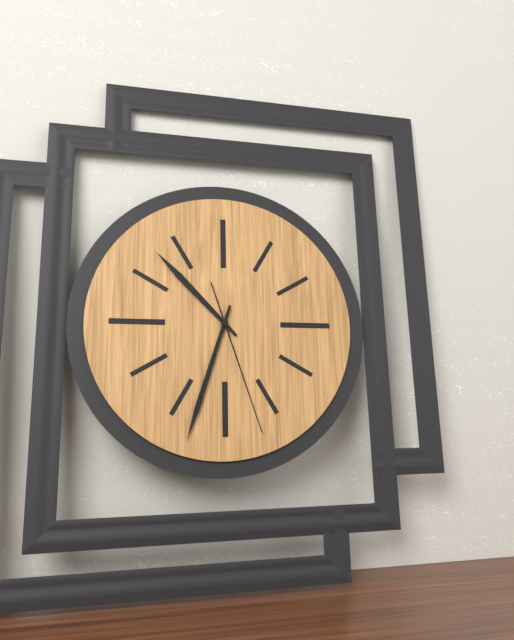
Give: 10:33:27
